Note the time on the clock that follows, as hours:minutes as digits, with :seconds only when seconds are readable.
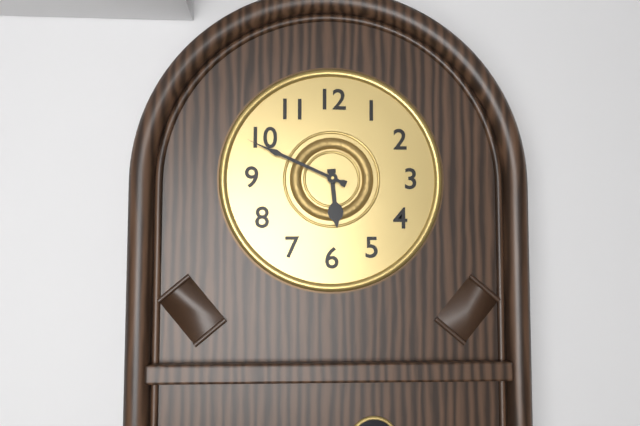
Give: 5:49
